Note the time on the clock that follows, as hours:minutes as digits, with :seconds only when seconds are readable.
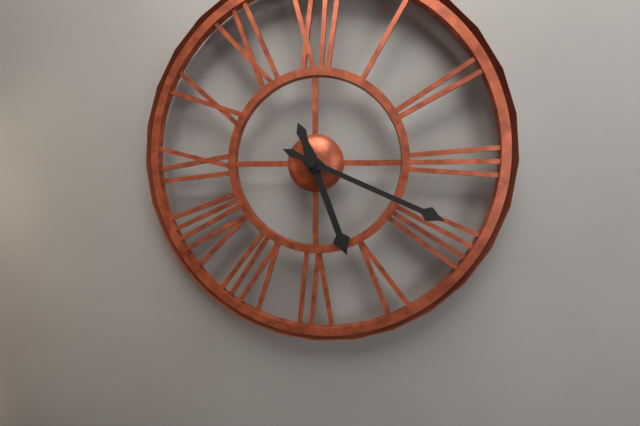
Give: 5:19
